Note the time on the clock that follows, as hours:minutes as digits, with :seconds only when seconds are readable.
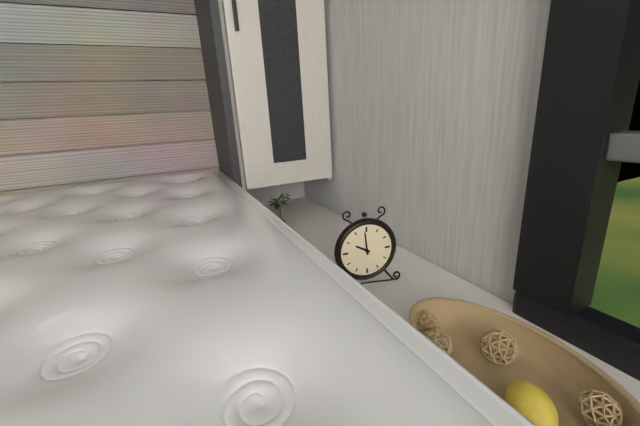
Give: 9:59
